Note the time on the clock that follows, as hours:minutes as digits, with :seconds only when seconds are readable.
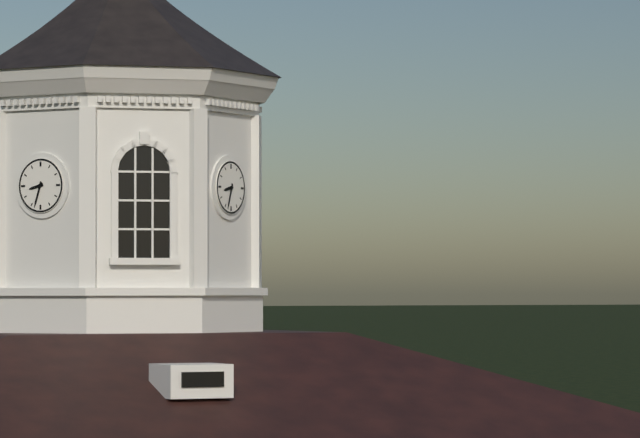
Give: 8:33
